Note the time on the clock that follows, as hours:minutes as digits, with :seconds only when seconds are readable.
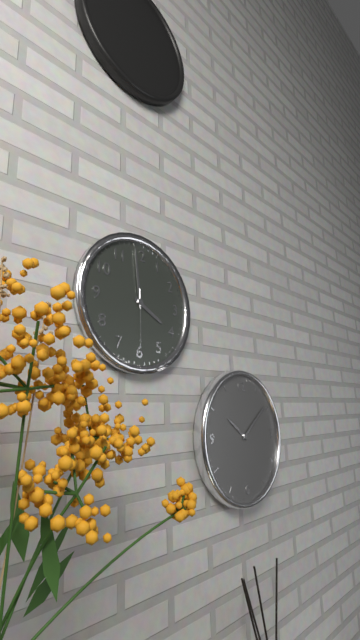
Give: 3:59:30
